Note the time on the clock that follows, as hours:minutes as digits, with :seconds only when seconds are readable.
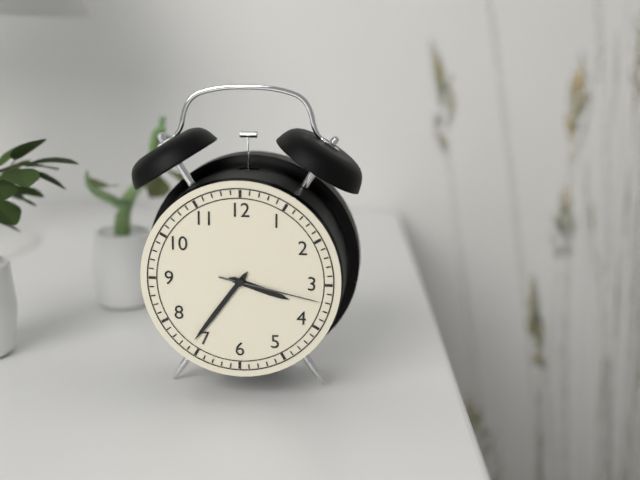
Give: 3:36:17
